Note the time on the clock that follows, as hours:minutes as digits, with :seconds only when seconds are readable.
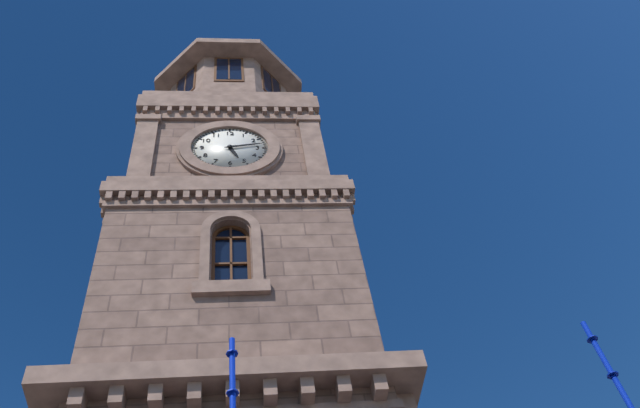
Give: 5:13
